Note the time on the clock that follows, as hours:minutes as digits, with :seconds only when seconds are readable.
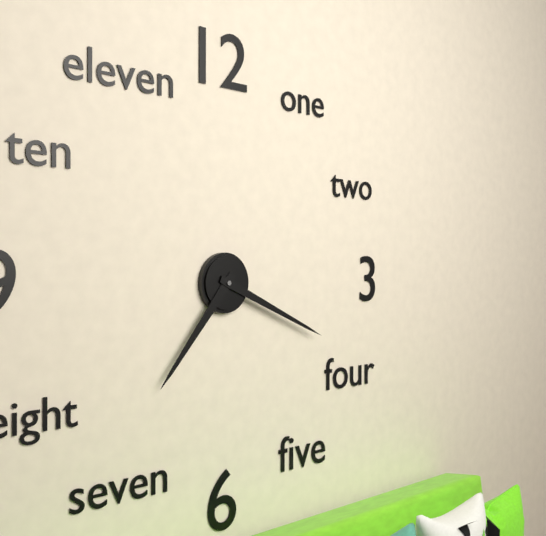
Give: 7:19
